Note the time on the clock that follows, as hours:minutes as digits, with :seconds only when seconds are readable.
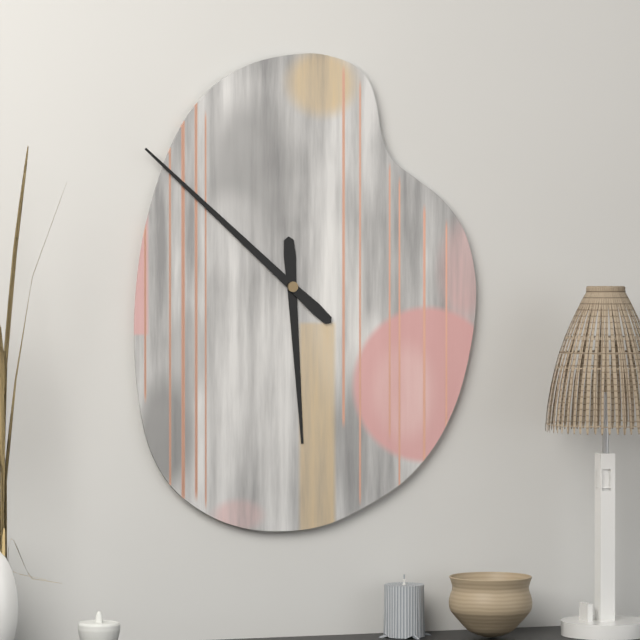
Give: 5:52
